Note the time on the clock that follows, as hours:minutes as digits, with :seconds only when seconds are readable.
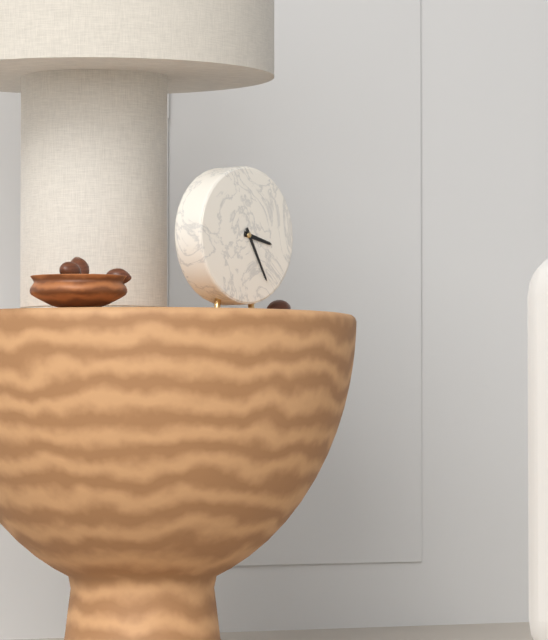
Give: 3:25
